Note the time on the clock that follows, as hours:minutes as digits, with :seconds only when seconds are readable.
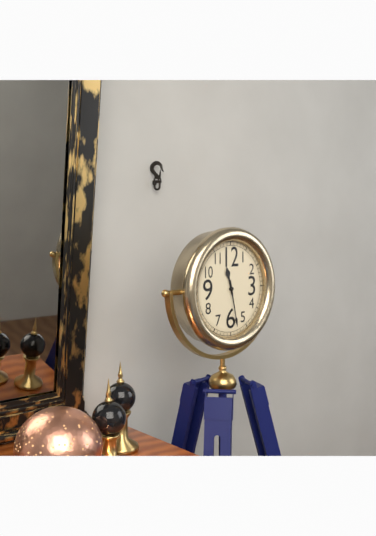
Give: 11:28
